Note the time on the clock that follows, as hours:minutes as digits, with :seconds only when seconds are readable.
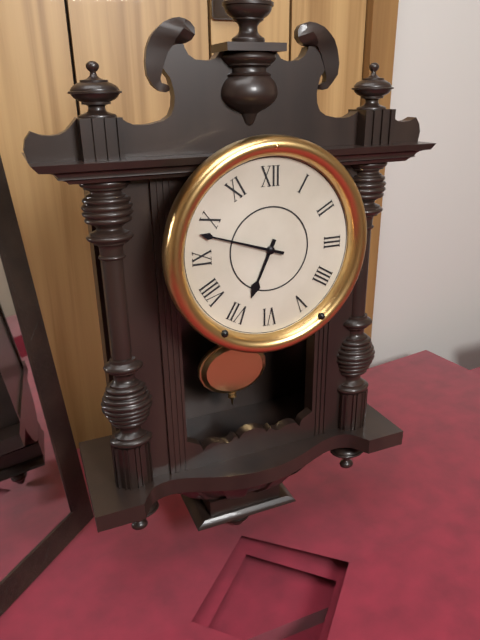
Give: 6:48
